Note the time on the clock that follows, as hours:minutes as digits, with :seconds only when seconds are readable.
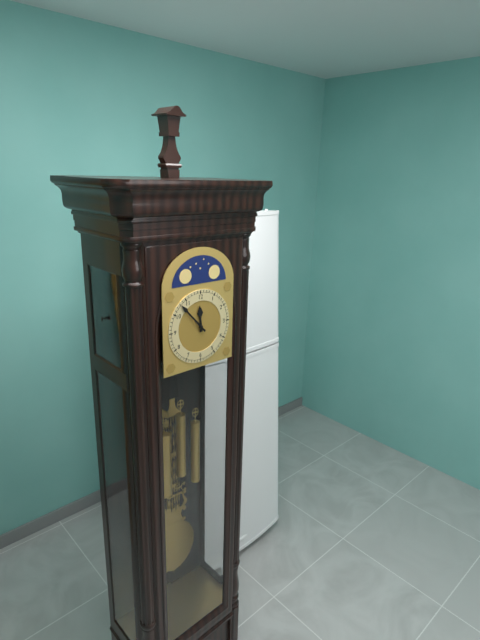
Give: 11:53
